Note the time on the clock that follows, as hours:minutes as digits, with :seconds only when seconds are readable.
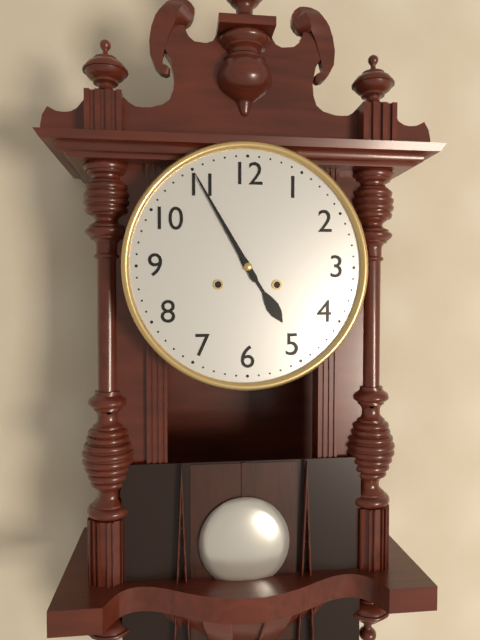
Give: 4:55
